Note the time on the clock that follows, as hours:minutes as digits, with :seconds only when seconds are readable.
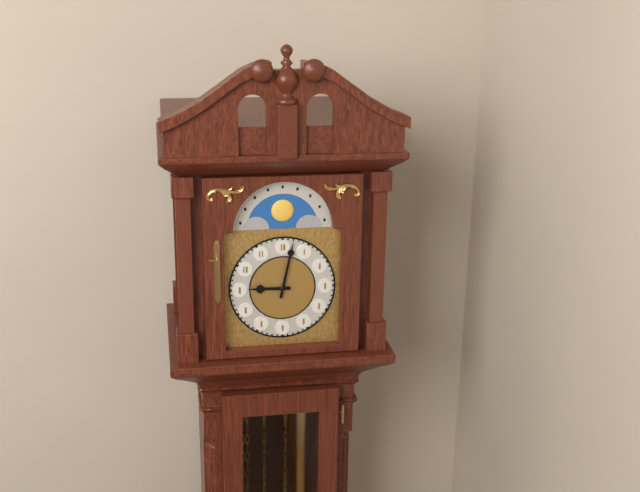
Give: 9:02
